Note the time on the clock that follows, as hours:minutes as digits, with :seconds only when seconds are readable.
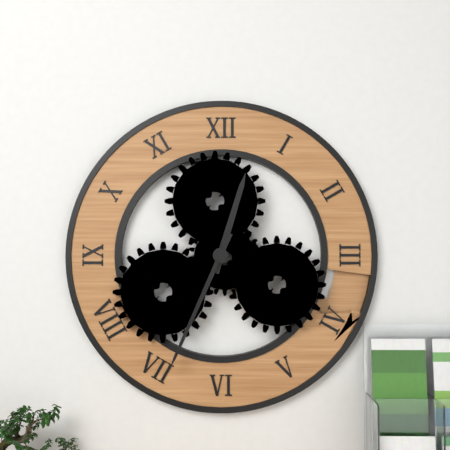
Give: 12:34
